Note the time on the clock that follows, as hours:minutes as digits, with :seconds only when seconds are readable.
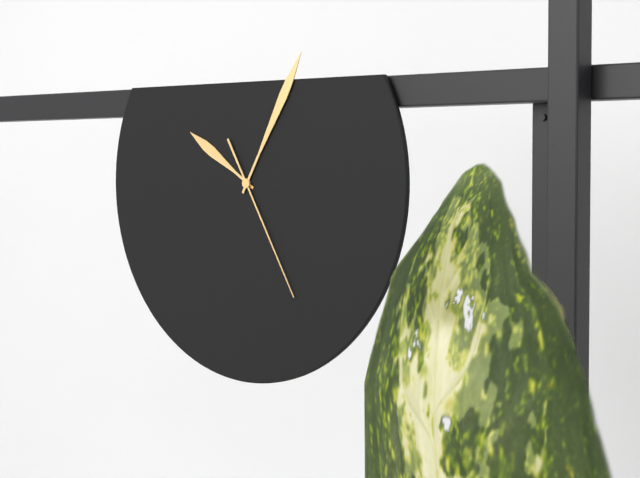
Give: 10:05:25
